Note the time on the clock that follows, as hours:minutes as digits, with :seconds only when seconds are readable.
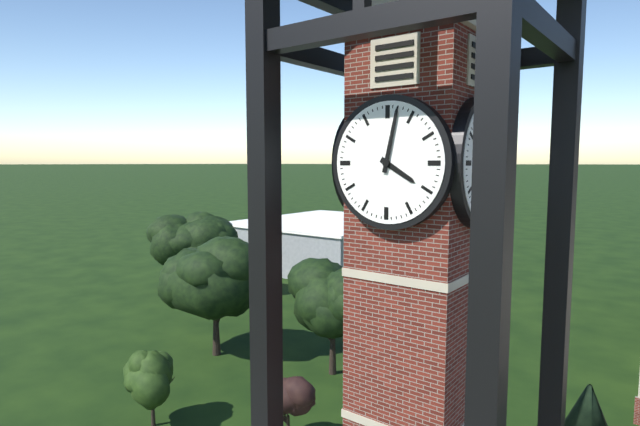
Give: 4:02
